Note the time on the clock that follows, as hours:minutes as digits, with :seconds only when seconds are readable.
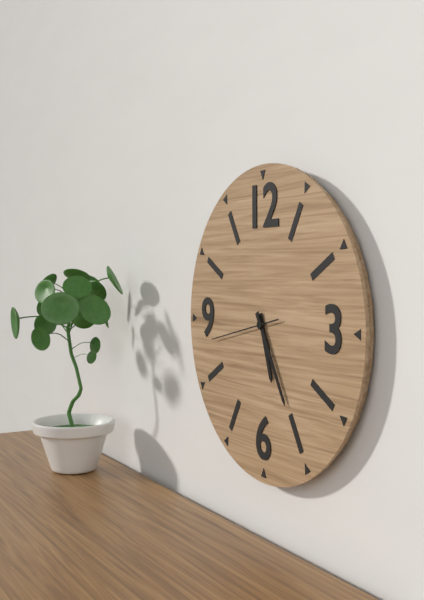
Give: 5:25:43
